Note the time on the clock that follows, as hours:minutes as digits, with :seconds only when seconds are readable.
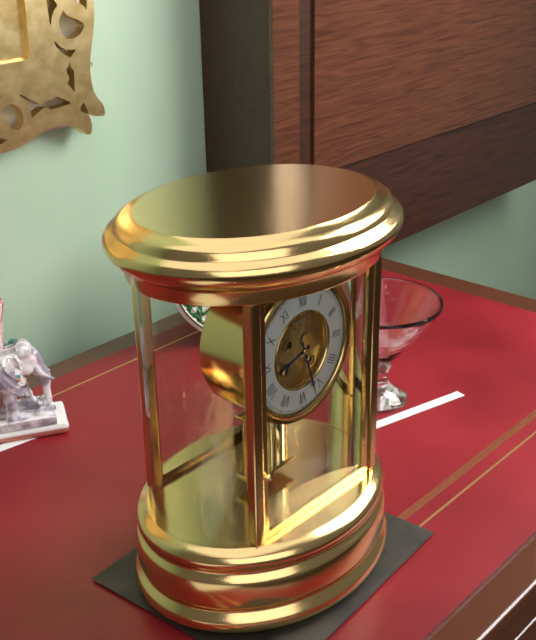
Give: 8:27
